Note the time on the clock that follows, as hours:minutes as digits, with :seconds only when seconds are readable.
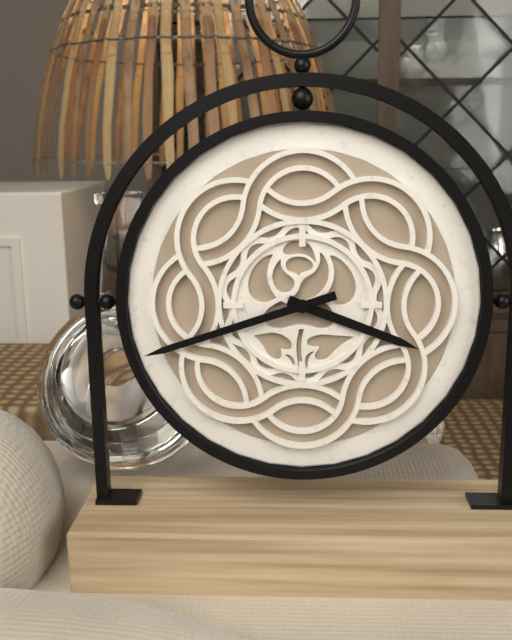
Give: 3:42
